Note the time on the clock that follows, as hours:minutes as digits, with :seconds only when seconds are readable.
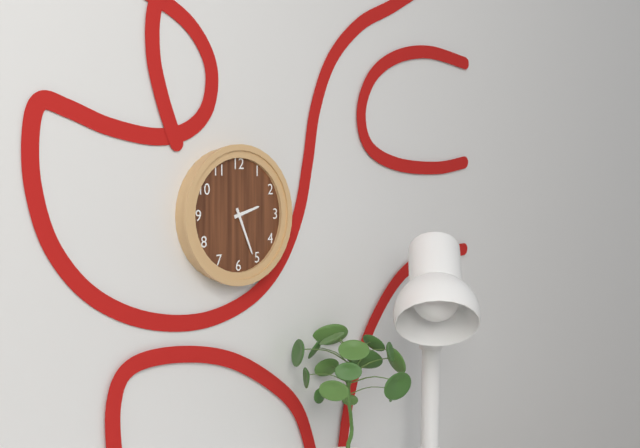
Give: 2:26
